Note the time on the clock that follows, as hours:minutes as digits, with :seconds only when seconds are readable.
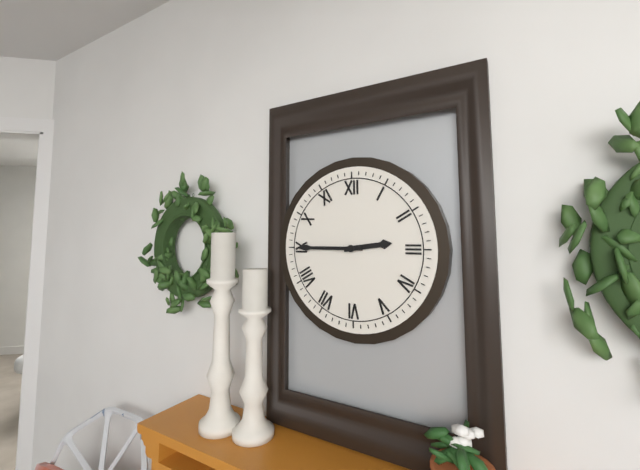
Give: 2:45
